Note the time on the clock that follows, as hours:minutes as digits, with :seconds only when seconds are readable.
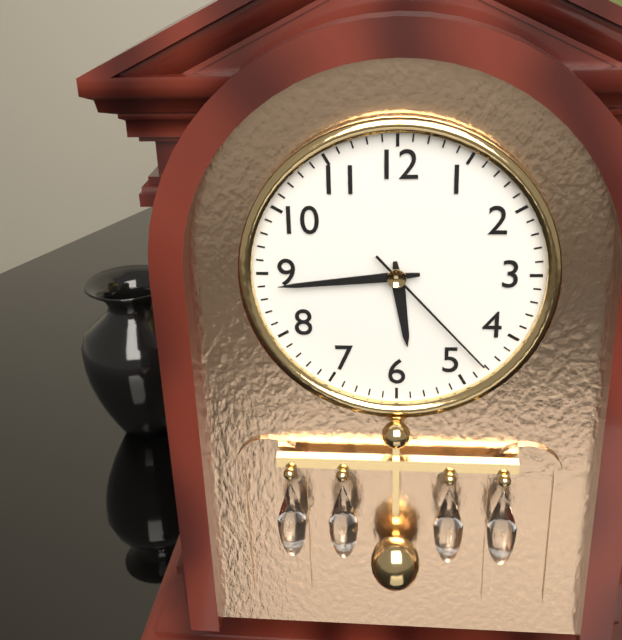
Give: 5:44:23
